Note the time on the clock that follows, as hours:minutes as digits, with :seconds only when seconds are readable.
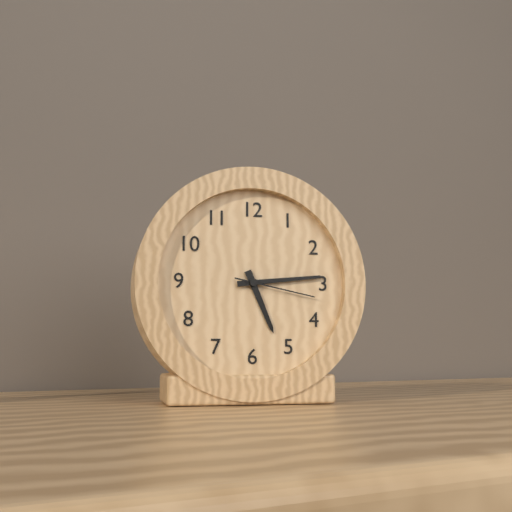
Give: 5:14:17
